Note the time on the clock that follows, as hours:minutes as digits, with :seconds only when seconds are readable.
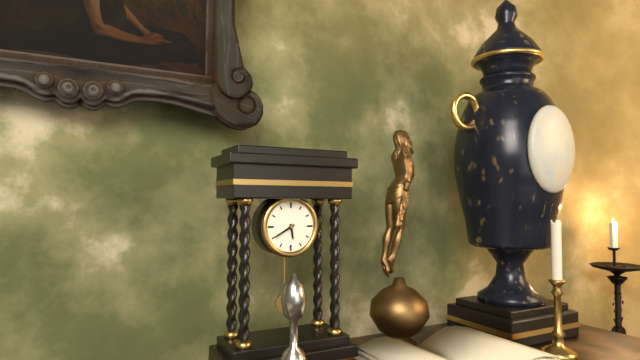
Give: 5:40
